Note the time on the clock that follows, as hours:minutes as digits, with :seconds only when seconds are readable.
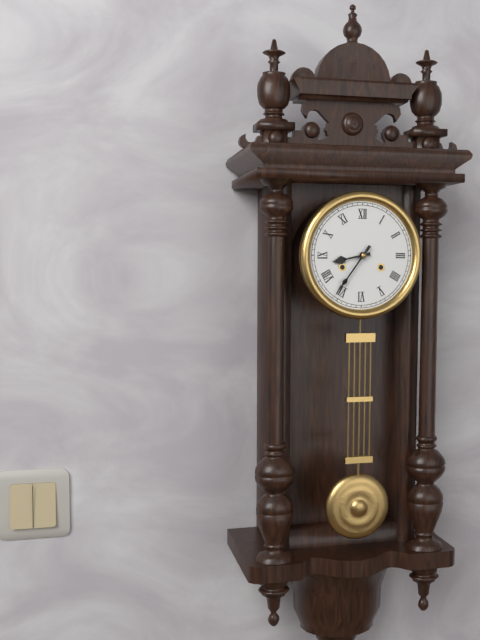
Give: 8:36
